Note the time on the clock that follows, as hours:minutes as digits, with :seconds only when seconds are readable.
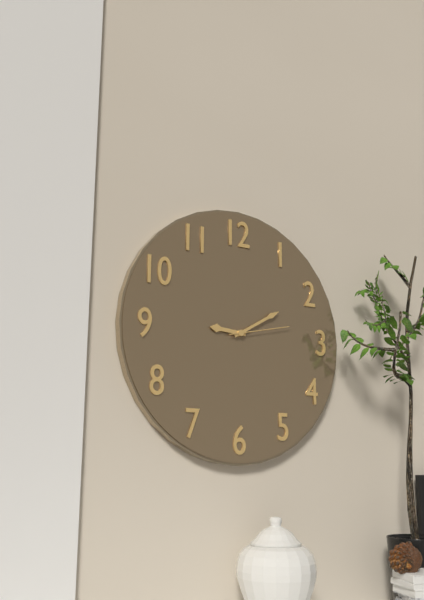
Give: 9:10:13
